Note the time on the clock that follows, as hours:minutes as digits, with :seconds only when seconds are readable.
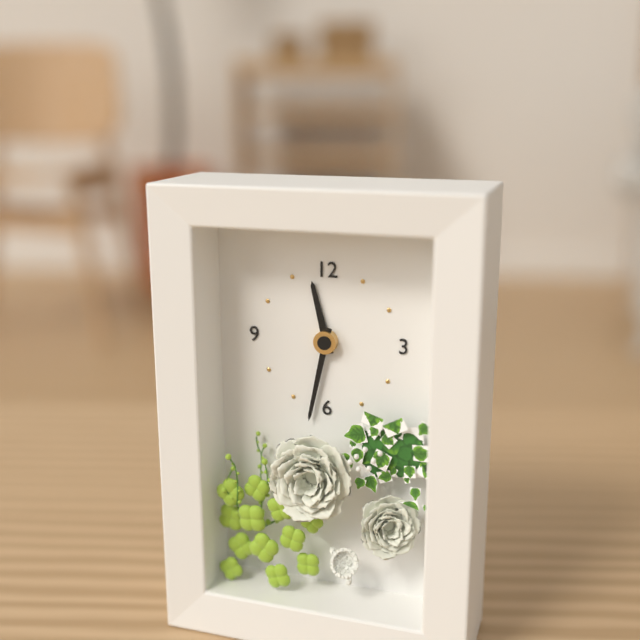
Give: 11:32
